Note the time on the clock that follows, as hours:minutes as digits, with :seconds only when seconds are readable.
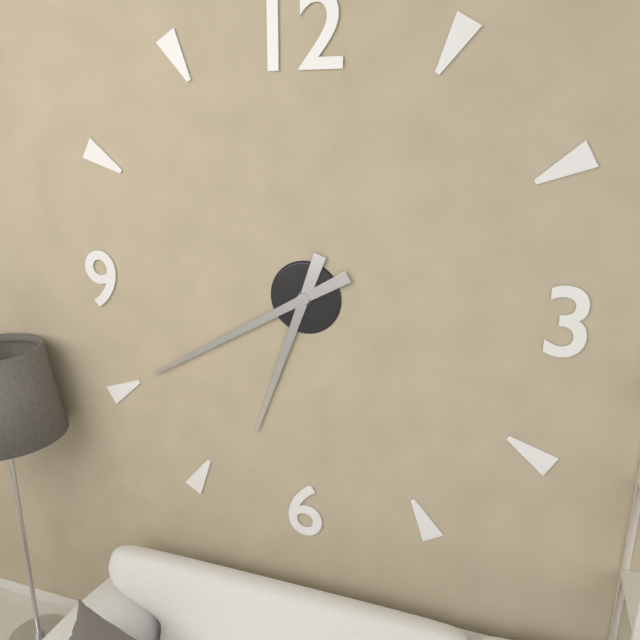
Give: 6:40
